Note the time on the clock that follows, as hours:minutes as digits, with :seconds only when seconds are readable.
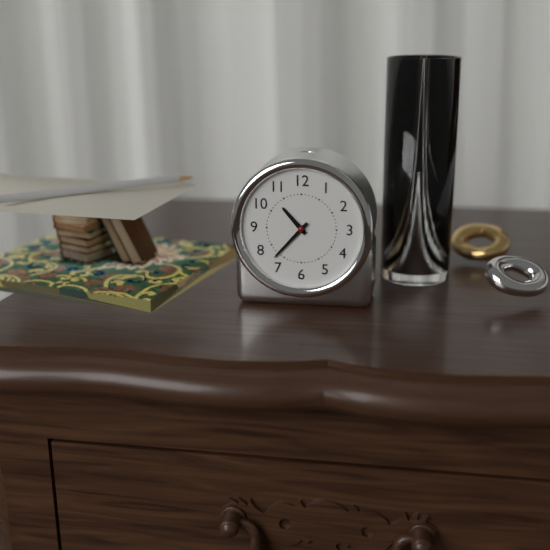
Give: 10:37
